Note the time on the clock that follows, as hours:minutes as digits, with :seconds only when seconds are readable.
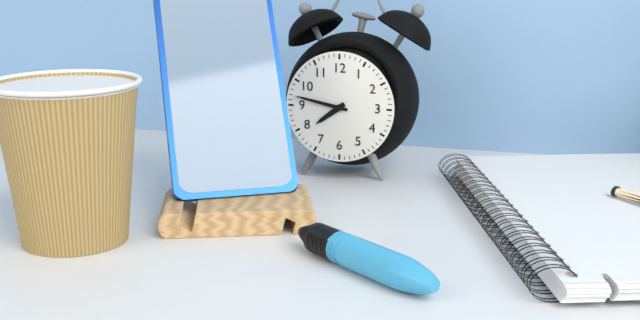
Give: 7:47
